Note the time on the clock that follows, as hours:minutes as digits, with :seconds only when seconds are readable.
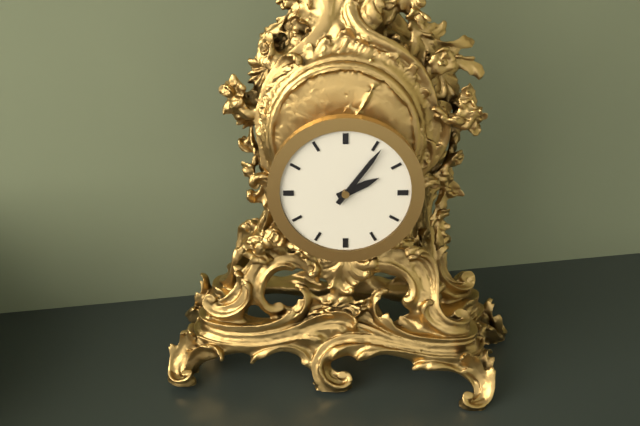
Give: 2:06
